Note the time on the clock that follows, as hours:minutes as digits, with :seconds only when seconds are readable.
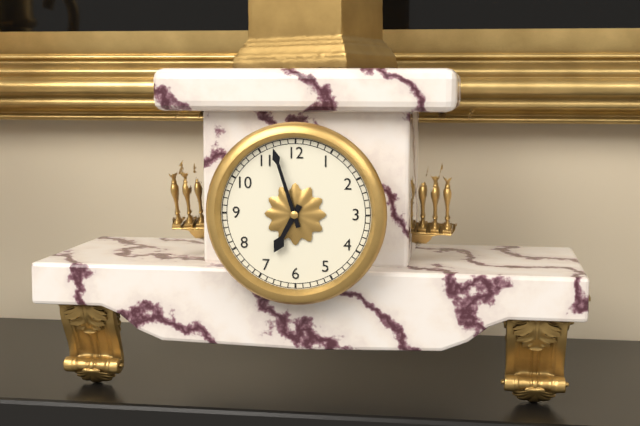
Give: 6:57
